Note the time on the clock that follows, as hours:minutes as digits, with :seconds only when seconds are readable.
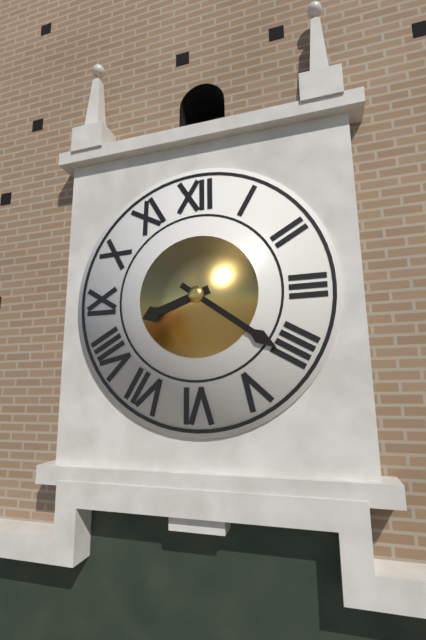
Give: 8:21
